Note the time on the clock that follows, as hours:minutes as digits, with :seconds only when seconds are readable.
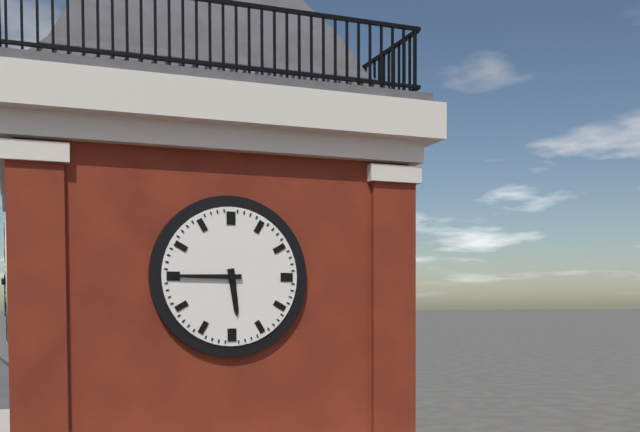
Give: 5:45
